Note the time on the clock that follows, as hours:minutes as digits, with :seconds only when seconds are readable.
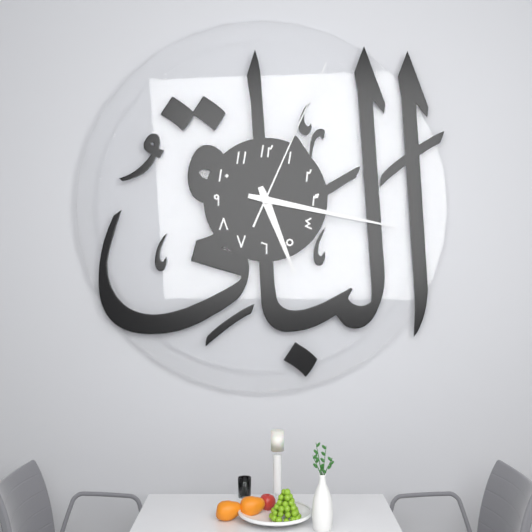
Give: 5:17:04
